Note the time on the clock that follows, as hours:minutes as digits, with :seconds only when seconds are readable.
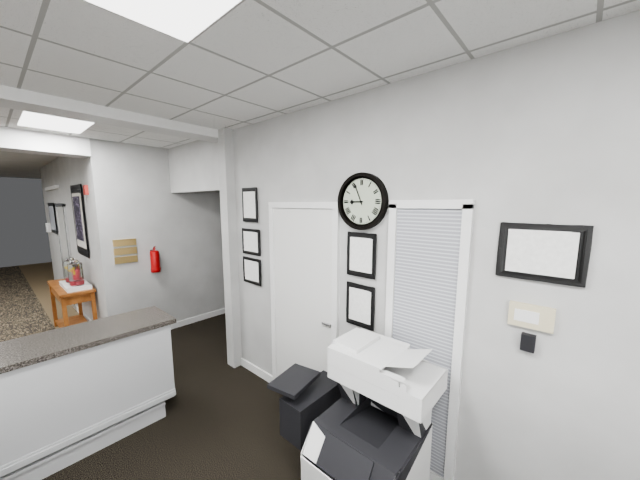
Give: 8:56
